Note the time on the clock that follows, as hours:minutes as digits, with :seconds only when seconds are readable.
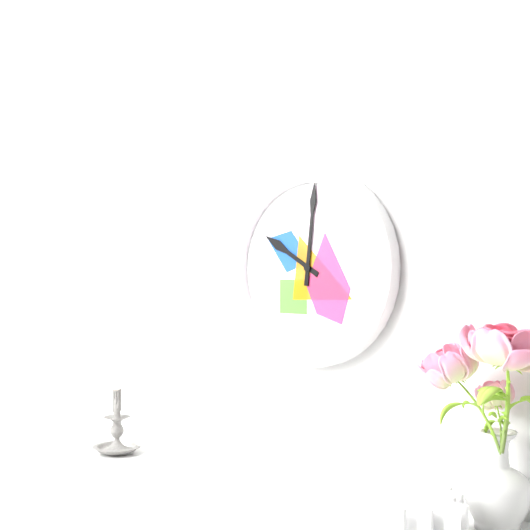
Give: 10:01
